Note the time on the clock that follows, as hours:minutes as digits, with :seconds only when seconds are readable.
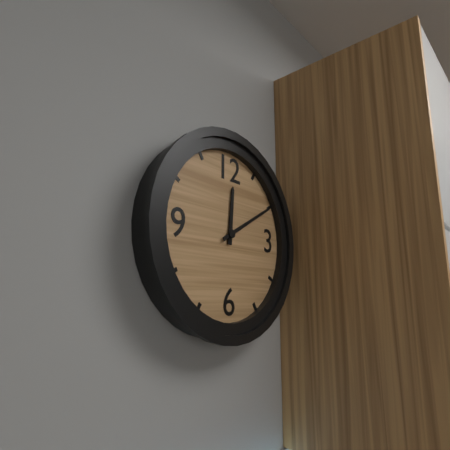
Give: 12:10
